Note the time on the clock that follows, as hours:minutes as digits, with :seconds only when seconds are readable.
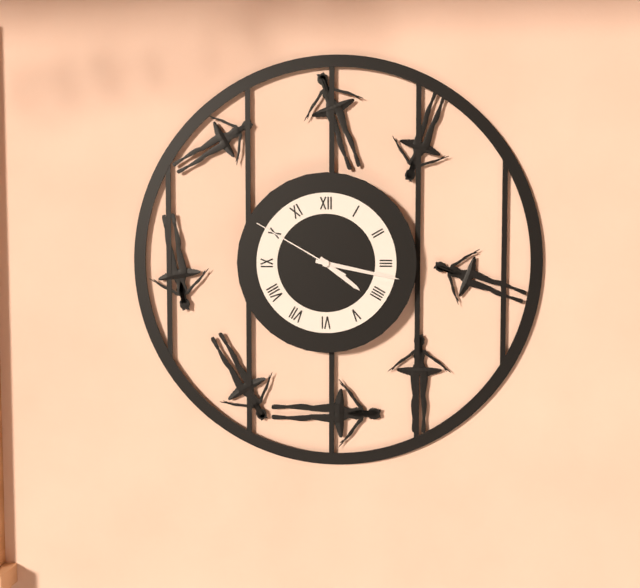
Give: 4:17:50
